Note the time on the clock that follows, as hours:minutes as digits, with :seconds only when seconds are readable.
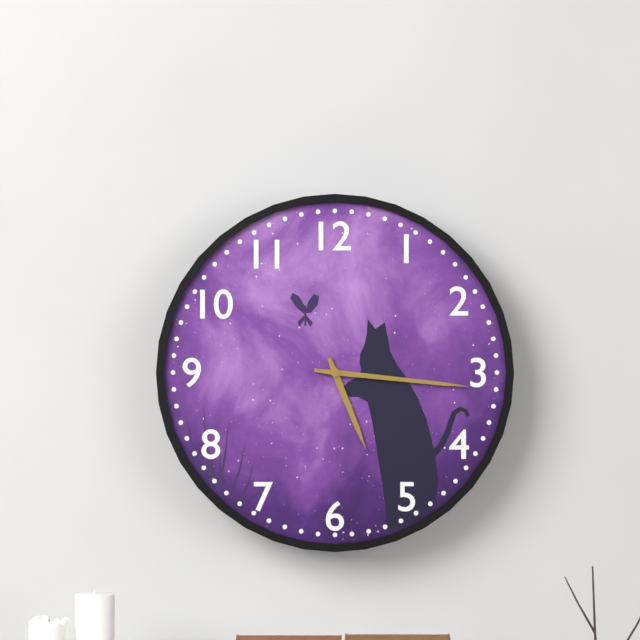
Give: 5:16
